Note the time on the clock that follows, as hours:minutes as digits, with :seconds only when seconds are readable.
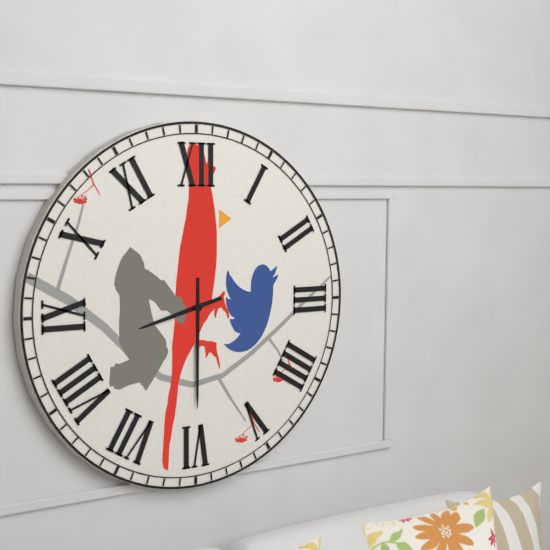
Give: 8:30
